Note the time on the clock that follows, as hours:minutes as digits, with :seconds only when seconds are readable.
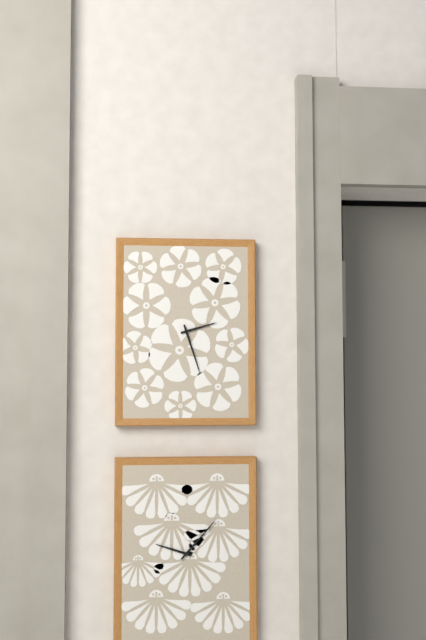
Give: 2:27
